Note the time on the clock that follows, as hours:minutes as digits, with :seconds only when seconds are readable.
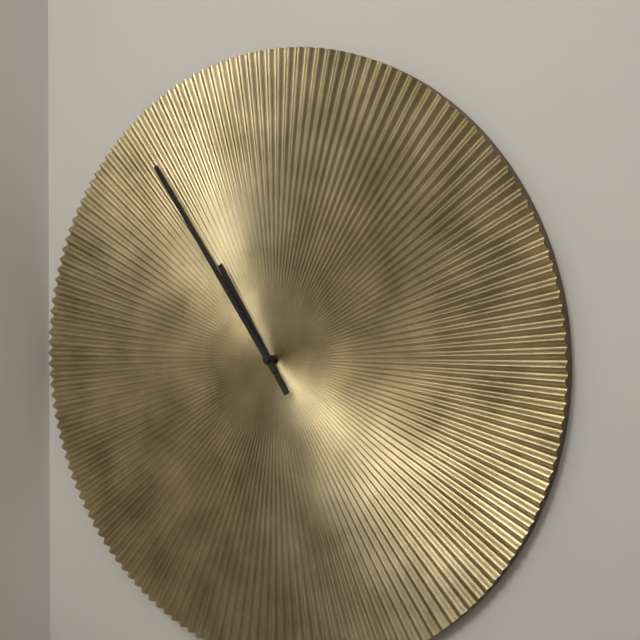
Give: 10:54
